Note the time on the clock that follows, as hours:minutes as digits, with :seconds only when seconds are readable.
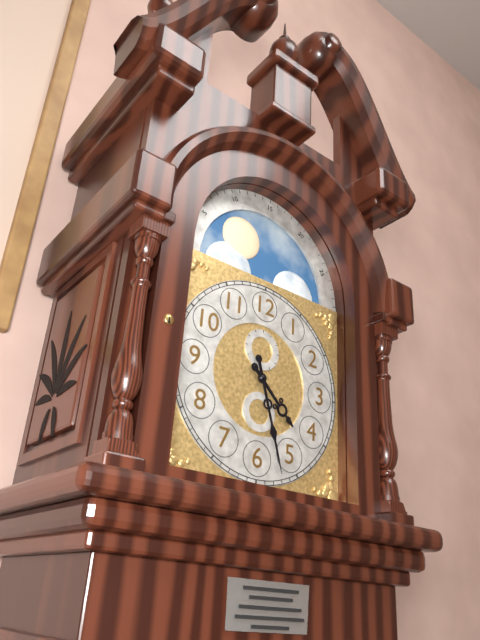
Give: 4:27
